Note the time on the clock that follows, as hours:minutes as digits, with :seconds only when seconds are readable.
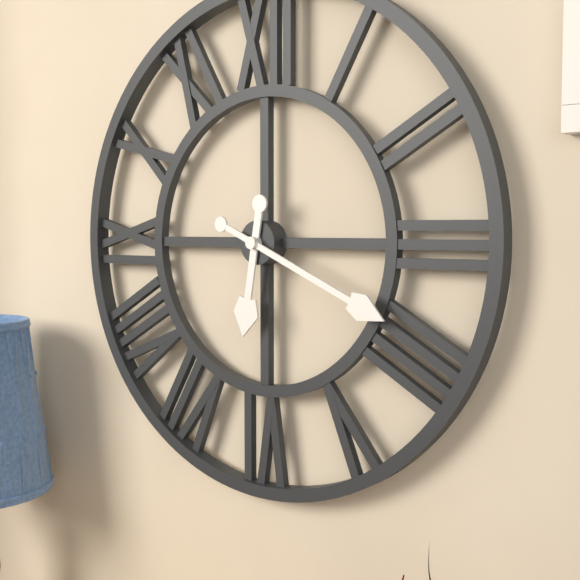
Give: 6:19
